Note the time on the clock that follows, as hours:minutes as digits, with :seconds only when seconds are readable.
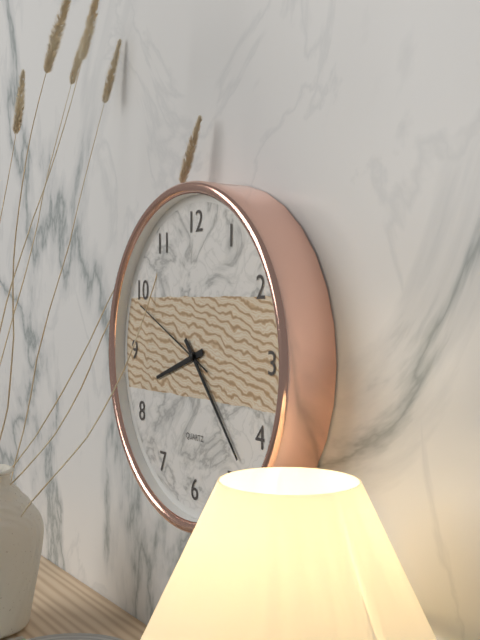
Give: 8:23:49
